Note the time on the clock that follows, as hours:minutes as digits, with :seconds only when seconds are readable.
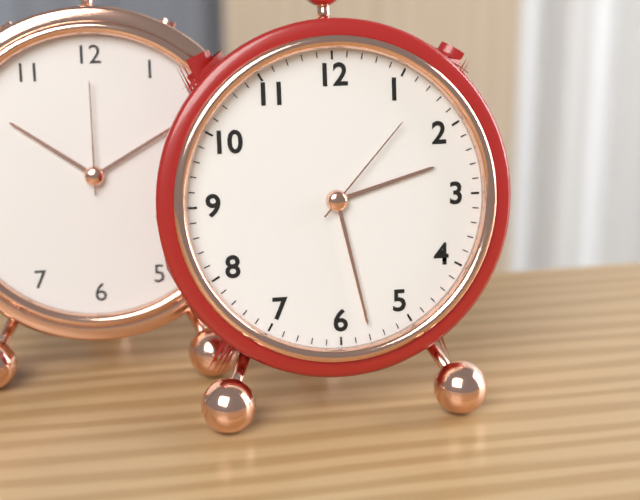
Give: 2:28:07
